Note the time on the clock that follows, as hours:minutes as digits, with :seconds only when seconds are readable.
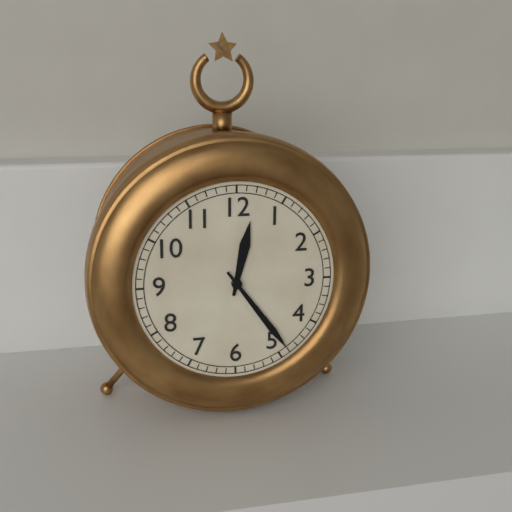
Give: 12:24
